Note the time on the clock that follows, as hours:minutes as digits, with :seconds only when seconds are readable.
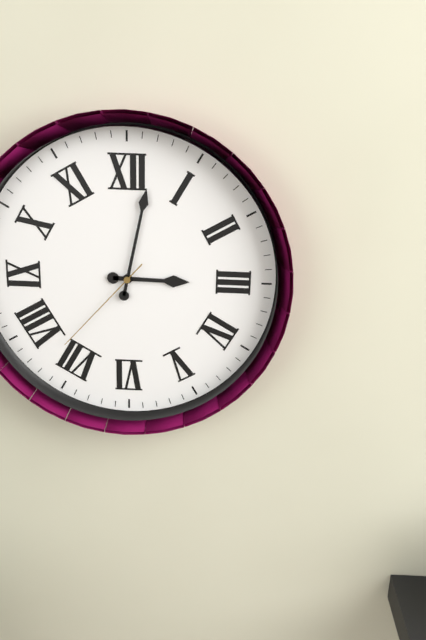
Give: 3:02:37
